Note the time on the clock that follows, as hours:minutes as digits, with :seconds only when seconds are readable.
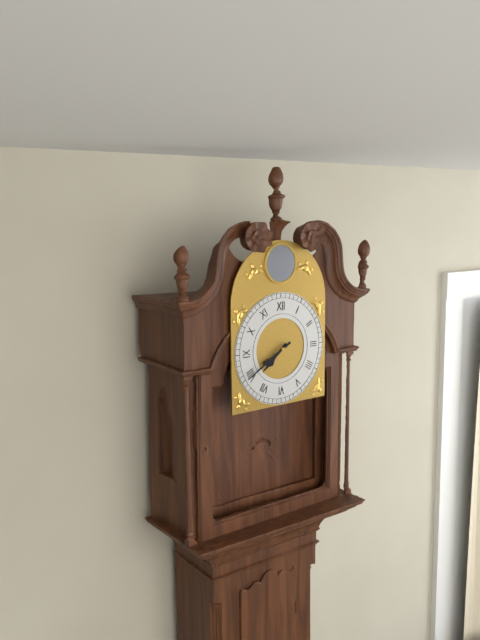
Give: 7:40
